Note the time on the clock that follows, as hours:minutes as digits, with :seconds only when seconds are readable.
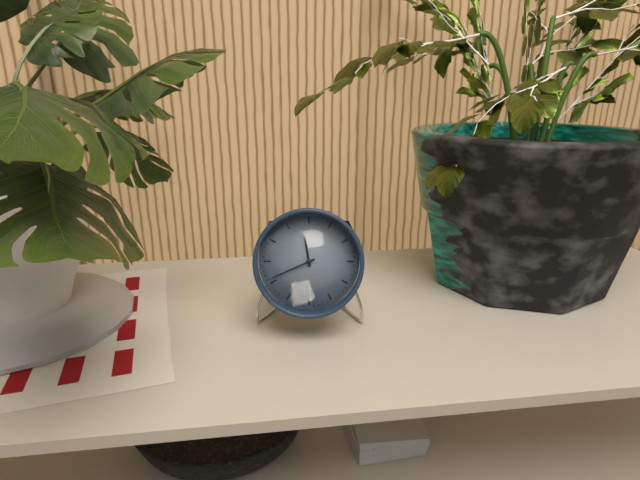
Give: 11:41
